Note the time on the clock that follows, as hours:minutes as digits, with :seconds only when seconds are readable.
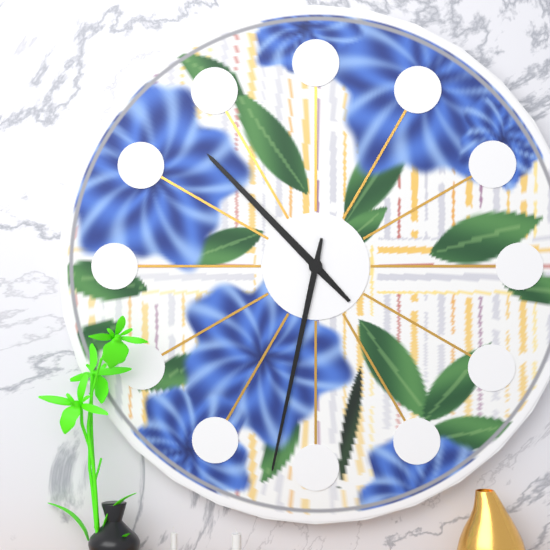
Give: 10:32
